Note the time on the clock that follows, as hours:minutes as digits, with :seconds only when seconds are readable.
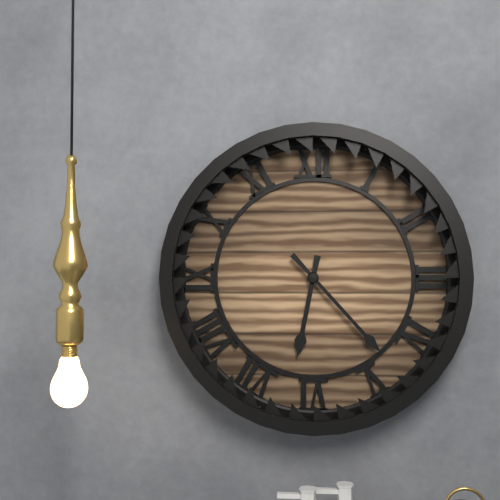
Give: 6:23
